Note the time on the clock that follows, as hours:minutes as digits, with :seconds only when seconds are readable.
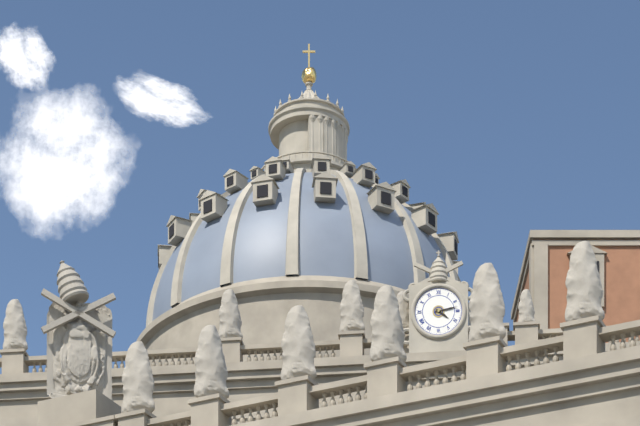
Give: 4:13
